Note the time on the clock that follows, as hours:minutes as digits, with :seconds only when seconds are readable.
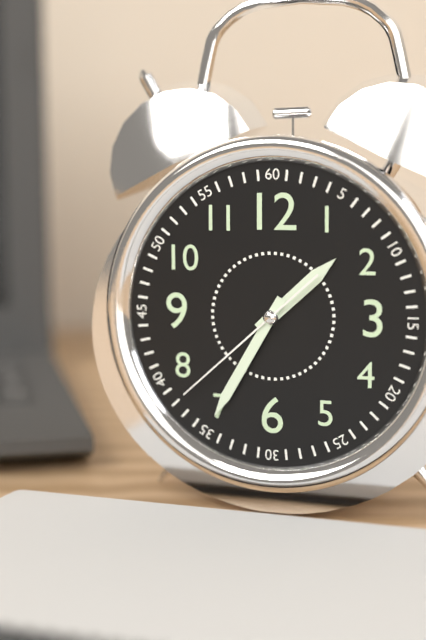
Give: 1:35:38
